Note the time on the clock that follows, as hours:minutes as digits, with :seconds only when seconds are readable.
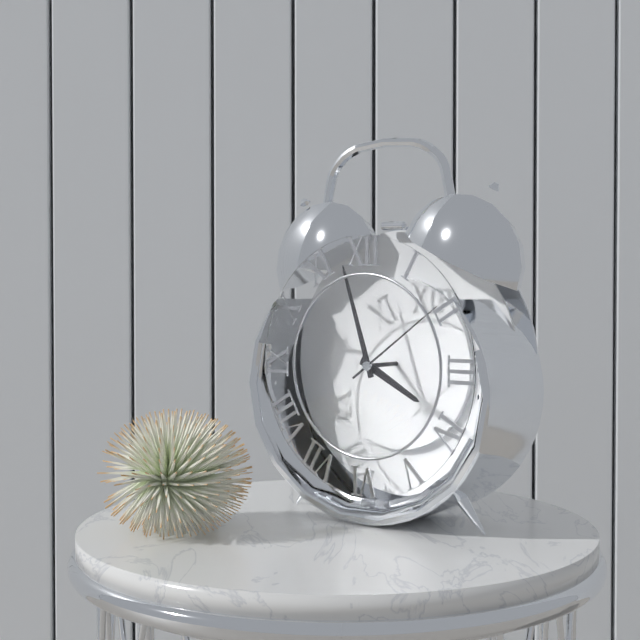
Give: 3:57:09
